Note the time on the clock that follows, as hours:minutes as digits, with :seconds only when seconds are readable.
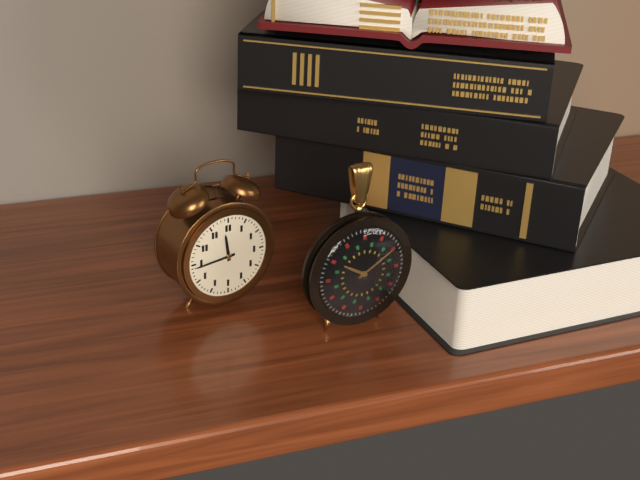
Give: 11:44
